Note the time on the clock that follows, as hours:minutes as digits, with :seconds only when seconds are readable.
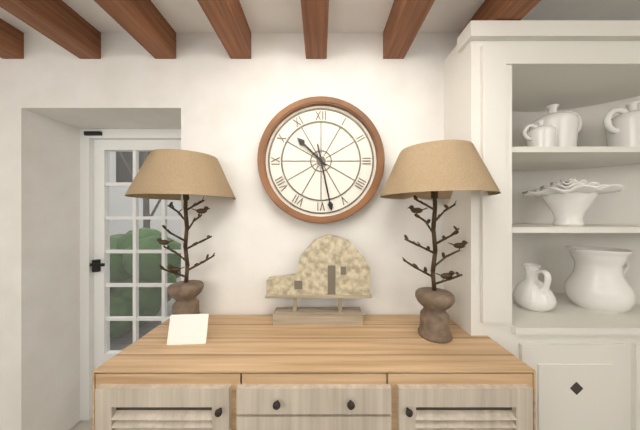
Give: 10:28
